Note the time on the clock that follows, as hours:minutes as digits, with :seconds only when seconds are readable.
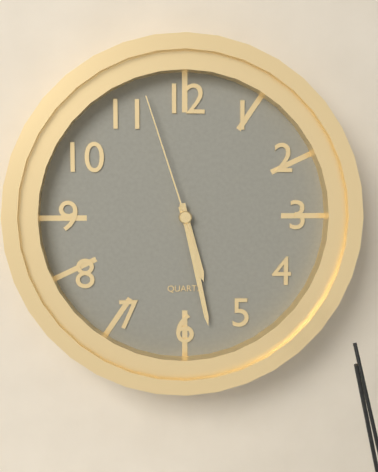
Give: 5:28:57
